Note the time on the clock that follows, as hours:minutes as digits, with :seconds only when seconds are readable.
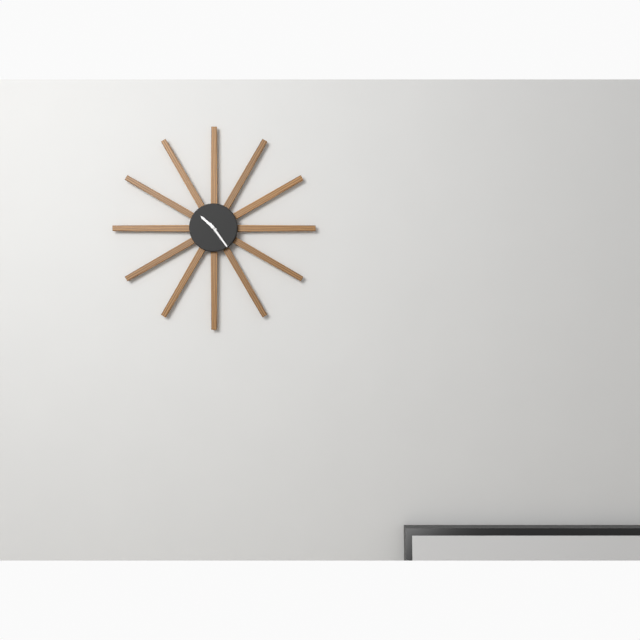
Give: 10:24
